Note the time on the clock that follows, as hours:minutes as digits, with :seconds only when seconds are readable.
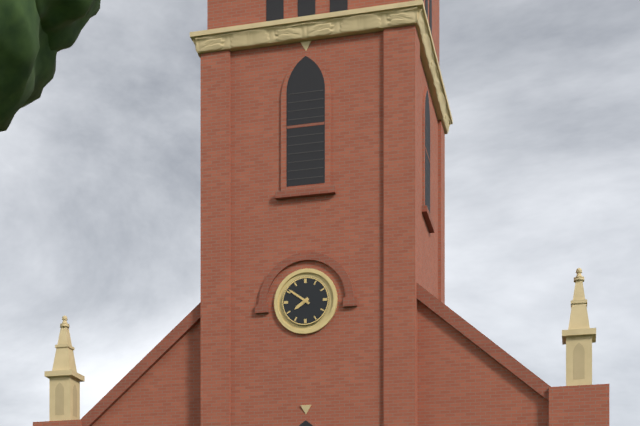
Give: 7:51
